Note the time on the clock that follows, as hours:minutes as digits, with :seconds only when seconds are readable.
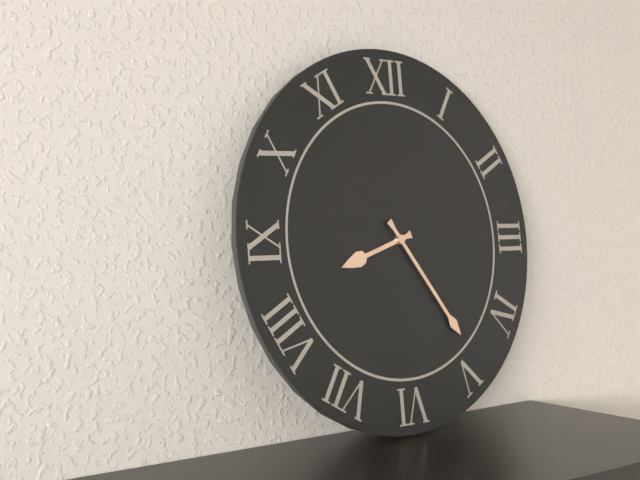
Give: 8:24
